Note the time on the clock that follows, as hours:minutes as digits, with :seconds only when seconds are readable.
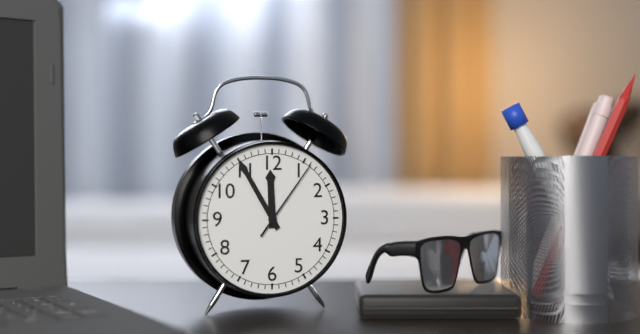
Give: 11:55:06
